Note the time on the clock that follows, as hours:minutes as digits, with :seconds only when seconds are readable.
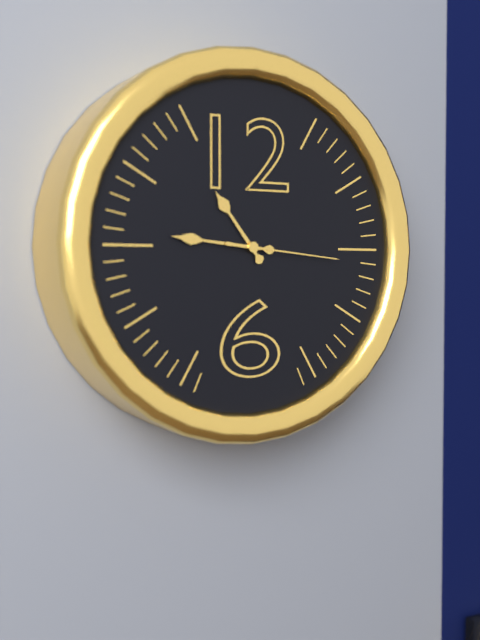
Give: 10:46:16
